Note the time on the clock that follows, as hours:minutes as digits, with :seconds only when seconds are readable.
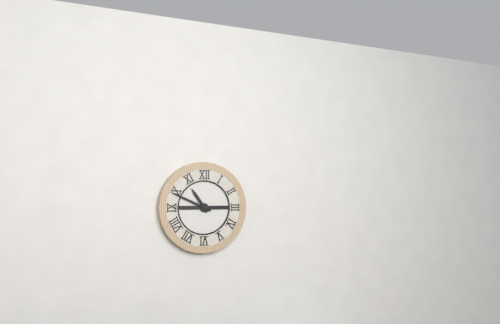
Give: 10:49
